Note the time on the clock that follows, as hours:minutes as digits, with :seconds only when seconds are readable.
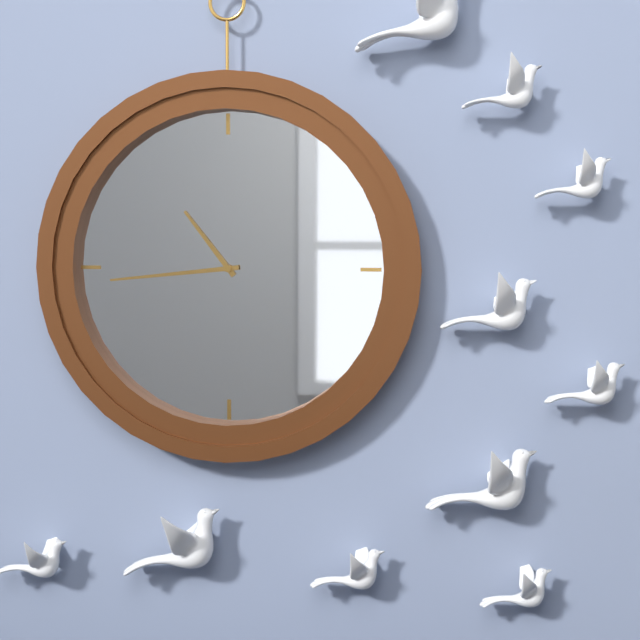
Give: 10:44
